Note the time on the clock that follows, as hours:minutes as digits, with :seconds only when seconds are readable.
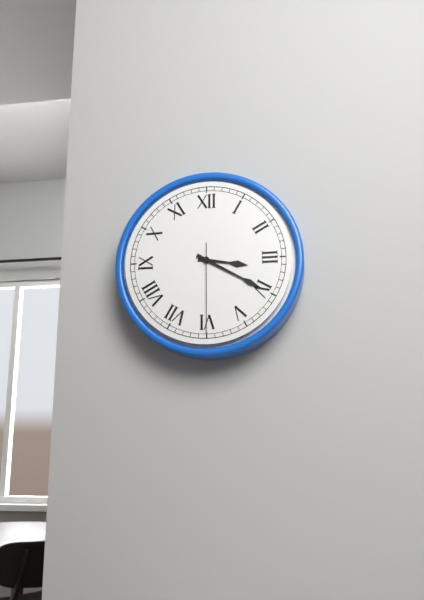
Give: 3:20:30
